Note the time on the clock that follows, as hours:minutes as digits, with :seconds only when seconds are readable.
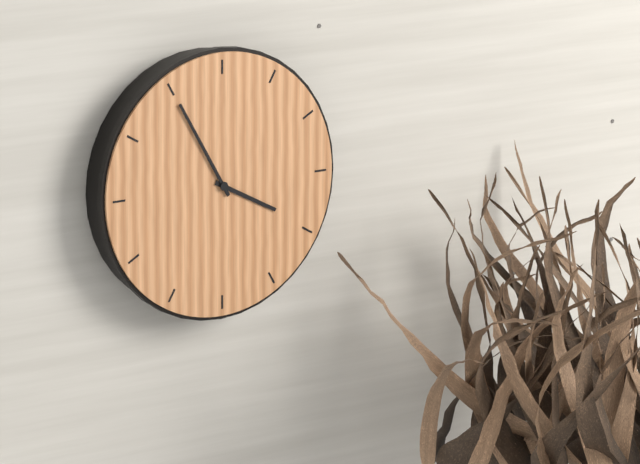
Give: 3:55
